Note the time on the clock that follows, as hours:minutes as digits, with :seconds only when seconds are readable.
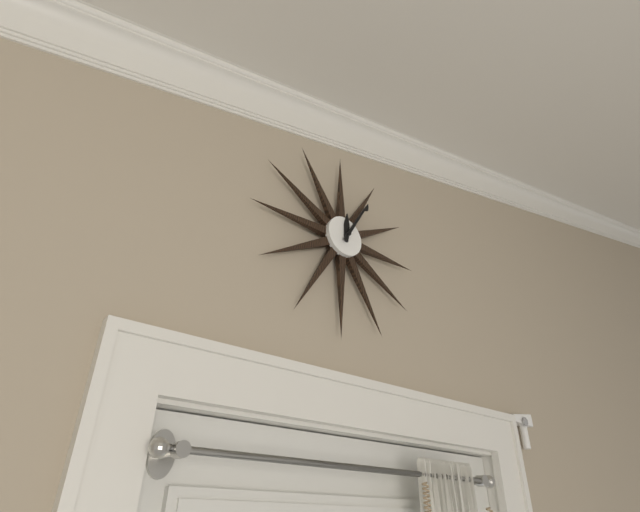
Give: 12:05
